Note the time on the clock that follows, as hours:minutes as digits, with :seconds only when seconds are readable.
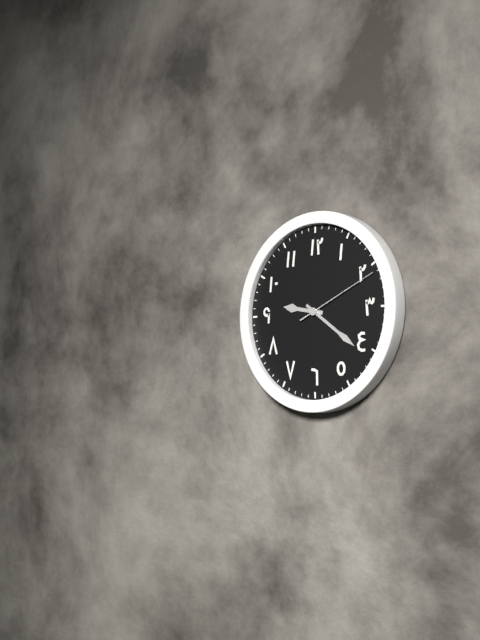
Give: 9:21:11
